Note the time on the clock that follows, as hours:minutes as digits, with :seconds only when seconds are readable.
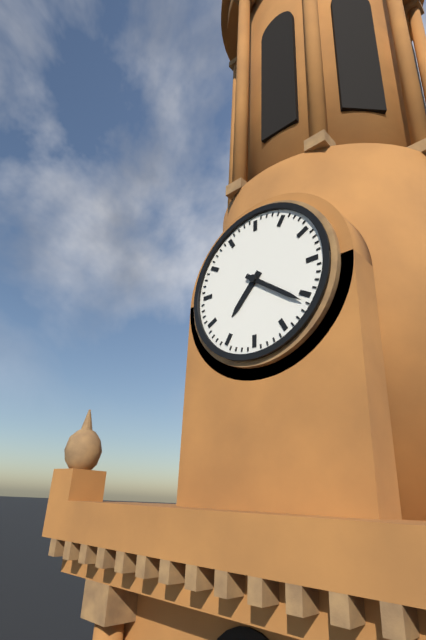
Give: 7:21
